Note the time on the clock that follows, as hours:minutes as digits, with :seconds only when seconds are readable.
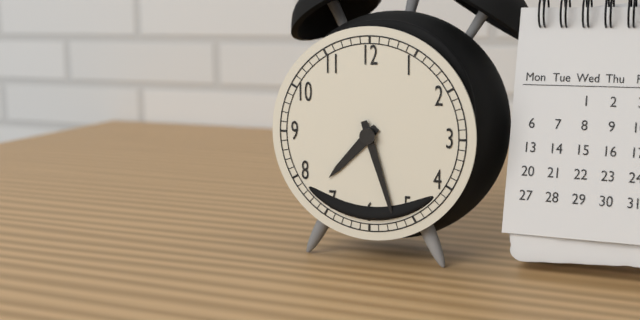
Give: 7:27
